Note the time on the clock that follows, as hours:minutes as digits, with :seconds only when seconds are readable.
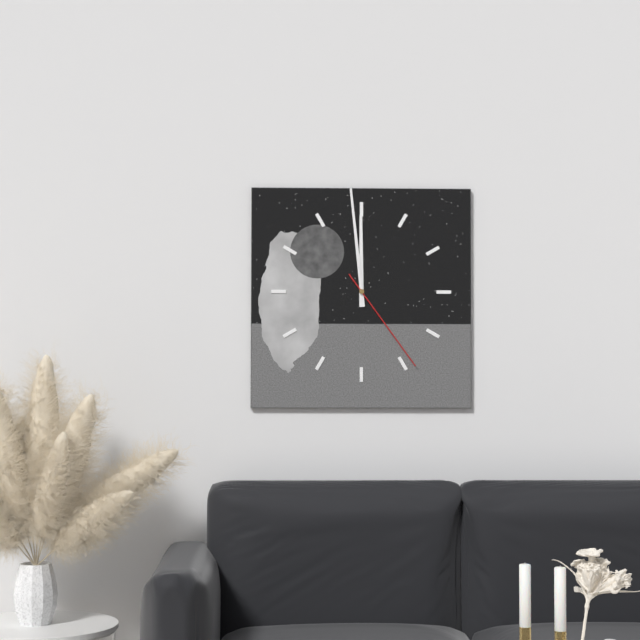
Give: 11:59:24
